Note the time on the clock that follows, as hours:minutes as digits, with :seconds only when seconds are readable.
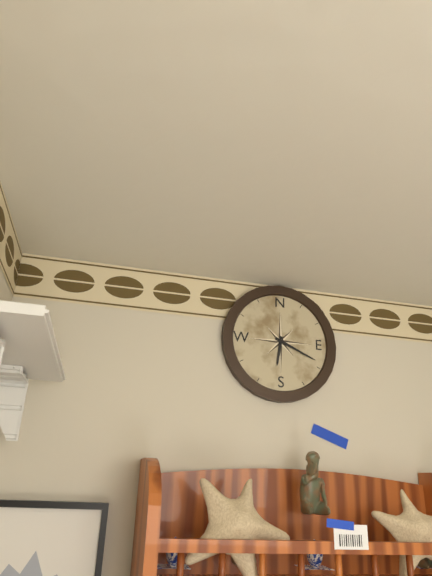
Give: 6:19
